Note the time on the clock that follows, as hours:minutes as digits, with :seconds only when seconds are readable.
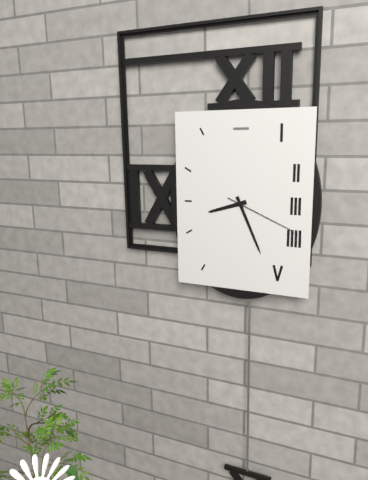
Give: 8:26:19
